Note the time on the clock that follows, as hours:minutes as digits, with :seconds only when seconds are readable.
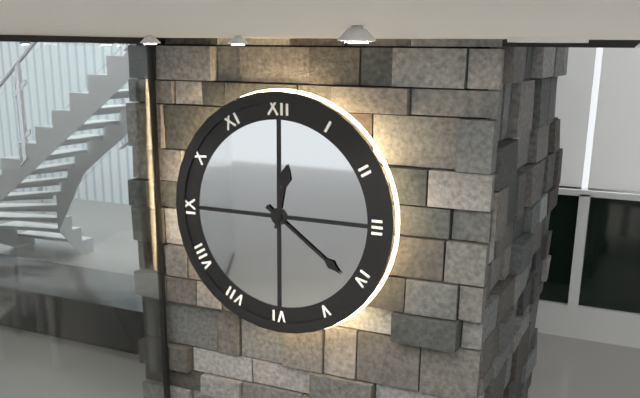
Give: 12:21
